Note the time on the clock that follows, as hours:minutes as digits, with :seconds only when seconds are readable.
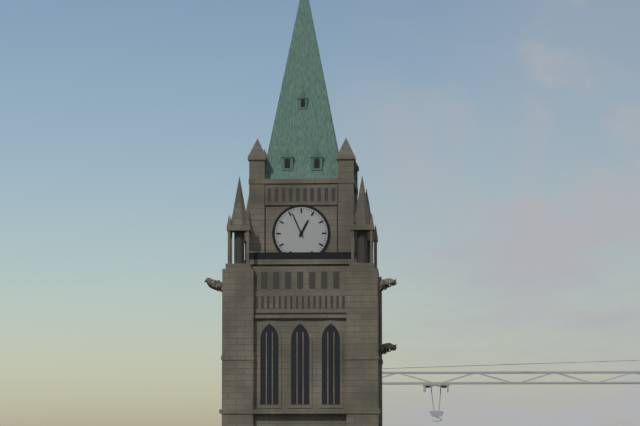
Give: 12:56
